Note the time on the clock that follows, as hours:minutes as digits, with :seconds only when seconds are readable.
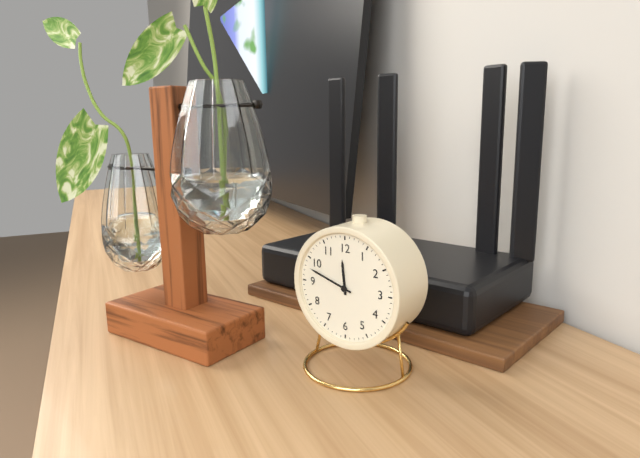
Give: 11:48
